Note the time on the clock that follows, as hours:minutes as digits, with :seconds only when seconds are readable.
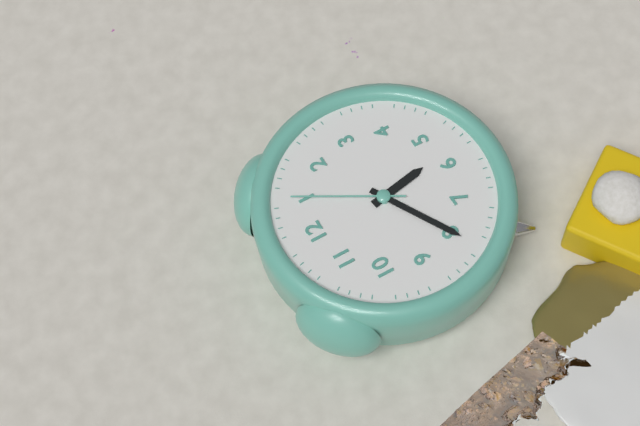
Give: 5:40:05
